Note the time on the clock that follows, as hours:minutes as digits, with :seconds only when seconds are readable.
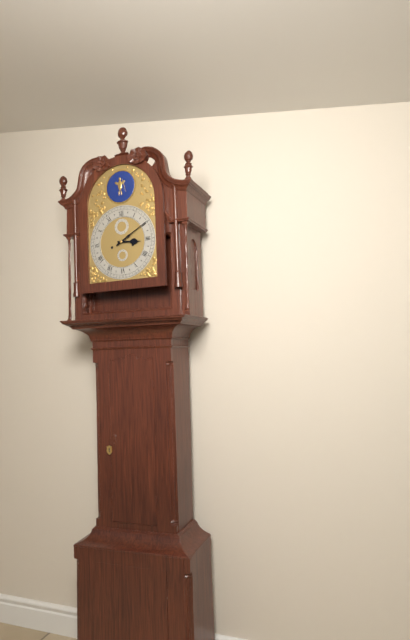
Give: 3:10
